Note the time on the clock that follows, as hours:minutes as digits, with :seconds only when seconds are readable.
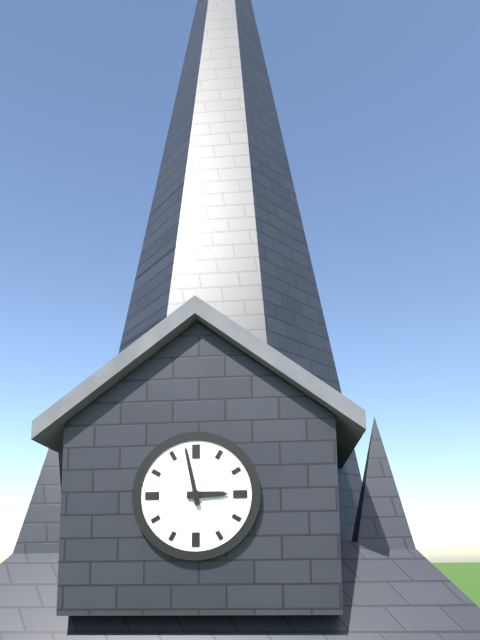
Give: 2:58
